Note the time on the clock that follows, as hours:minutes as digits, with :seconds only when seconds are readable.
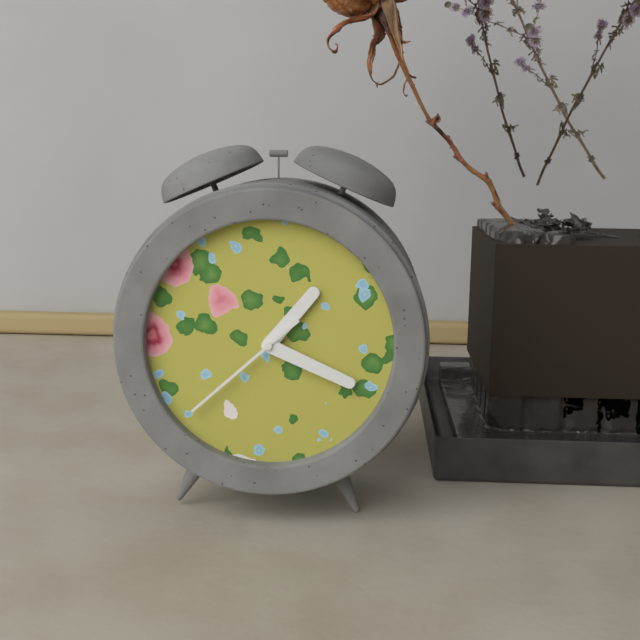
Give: 1:19:38
